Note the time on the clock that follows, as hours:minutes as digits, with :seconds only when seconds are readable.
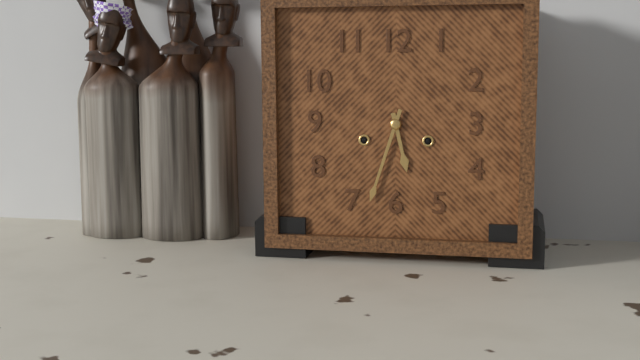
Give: 5:33
